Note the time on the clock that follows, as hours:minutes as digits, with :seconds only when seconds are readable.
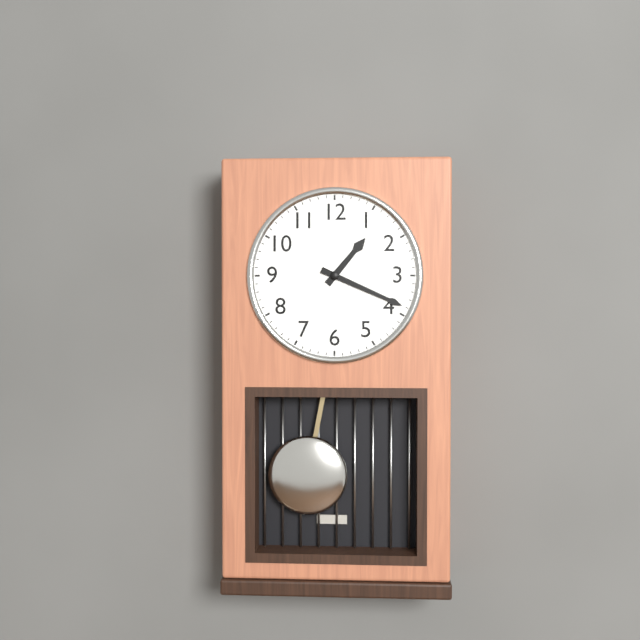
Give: 1:19
